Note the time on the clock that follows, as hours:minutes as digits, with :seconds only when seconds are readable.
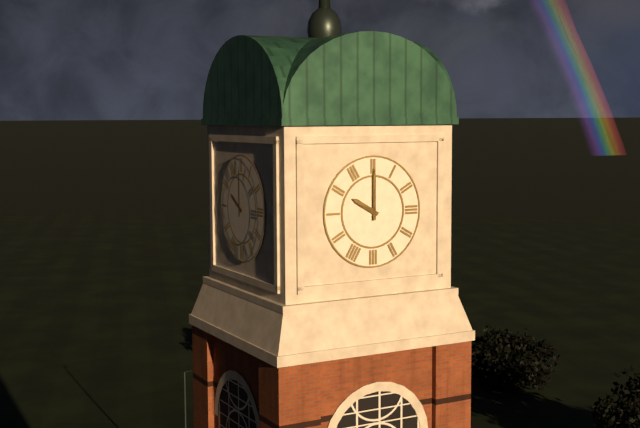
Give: 10:00
